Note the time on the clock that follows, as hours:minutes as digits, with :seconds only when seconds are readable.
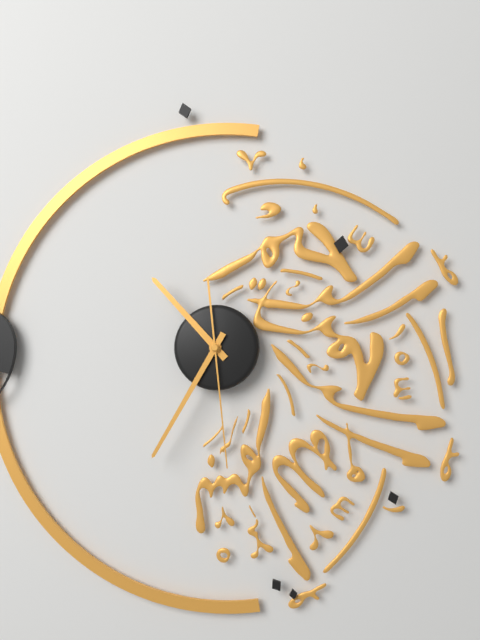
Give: 10:35:29
